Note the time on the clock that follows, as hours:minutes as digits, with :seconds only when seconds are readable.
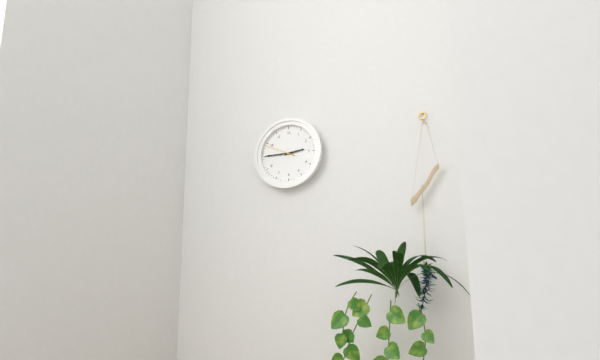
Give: 2:45
